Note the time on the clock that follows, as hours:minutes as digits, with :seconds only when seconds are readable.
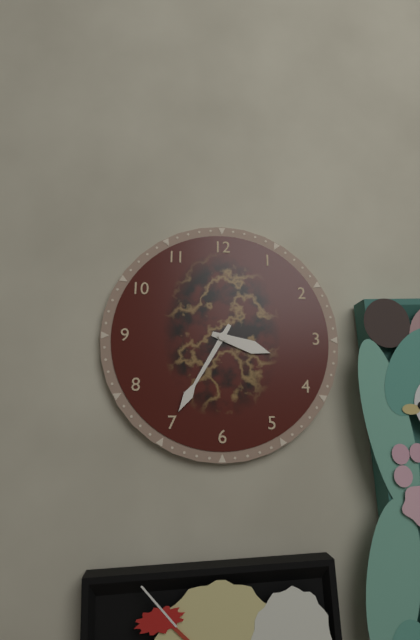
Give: 3:35
